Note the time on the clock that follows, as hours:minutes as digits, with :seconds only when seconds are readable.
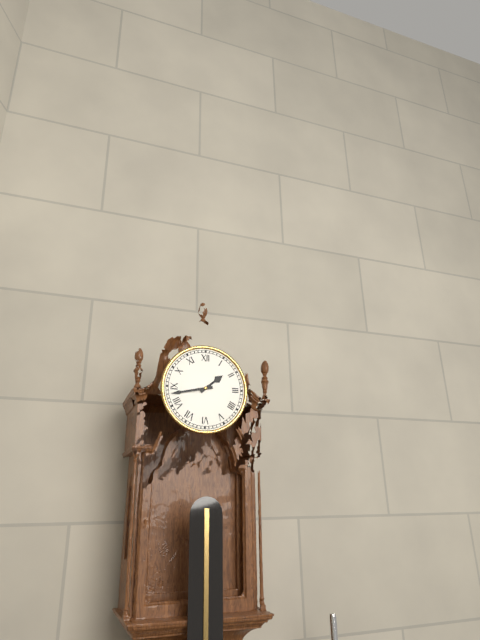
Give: 1:43
